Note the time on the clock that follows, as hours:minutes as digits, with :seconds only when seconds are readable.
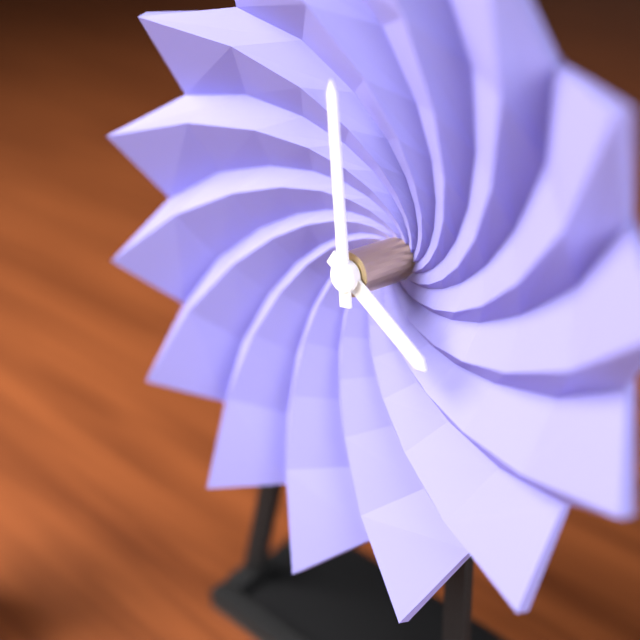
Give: 3:58
